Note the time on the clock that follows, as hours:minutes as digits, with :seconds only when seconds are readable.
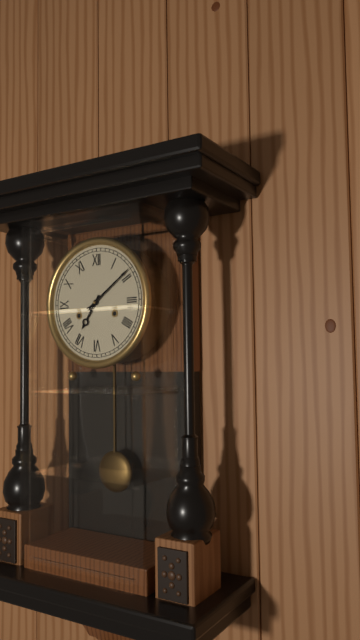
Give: 7:09
